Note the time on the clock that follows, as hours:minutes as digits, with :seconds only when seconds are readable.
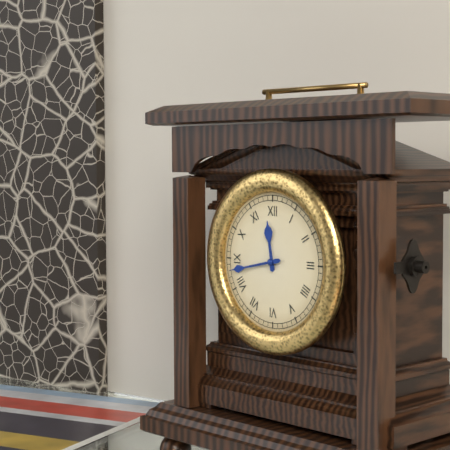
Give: 11:43
